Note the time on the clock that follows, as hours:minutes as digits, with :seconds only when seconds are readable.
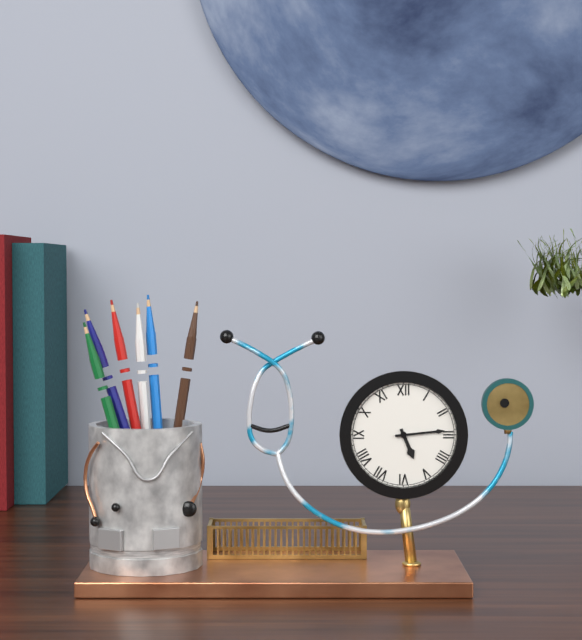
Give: 5:14
